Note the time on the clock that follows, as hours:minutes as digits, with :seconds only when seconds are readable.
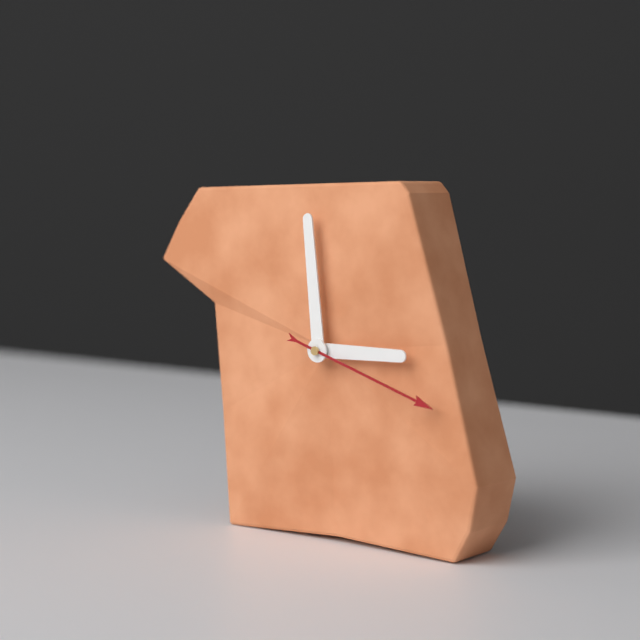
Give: 2:59:18
